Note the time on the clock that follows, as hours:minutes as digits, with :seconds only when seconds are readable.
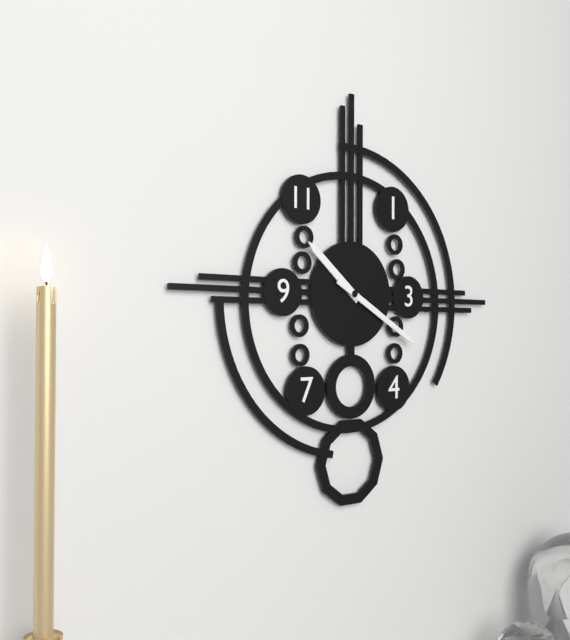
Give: 10:20
